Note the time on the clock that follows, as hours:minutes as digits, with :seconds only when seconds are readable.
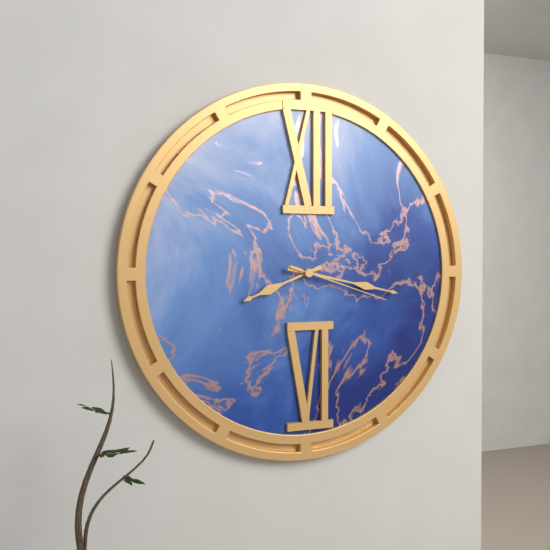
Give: 8:17:18
